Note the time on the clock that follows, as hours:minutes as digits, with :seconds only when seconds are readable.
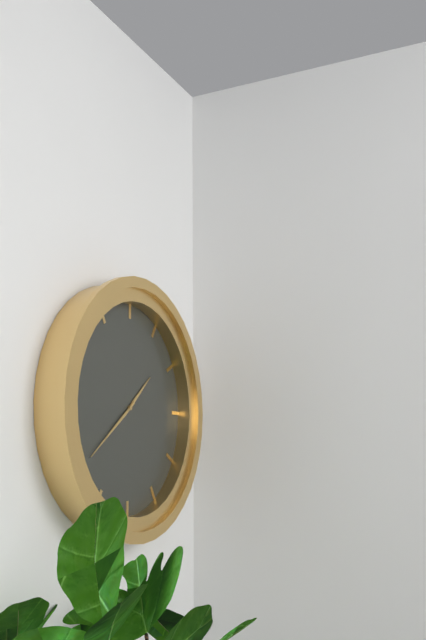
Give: 1:39
